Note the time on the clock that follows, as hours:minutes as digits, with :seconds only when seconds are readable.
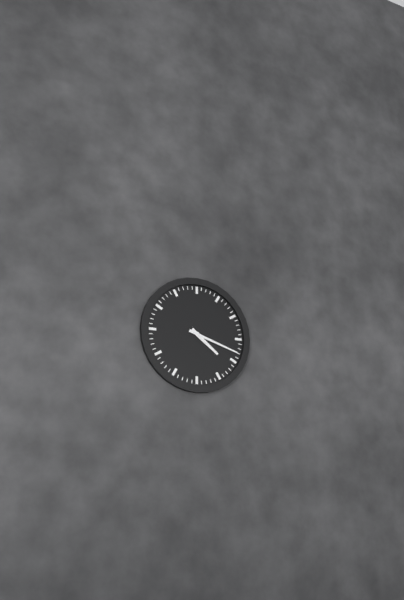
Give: 4:18
